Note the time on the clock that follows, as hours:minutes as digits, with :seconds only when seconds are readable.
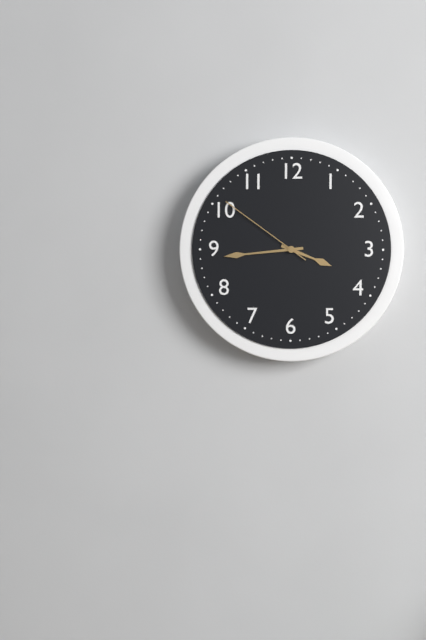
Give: 3:44:51
